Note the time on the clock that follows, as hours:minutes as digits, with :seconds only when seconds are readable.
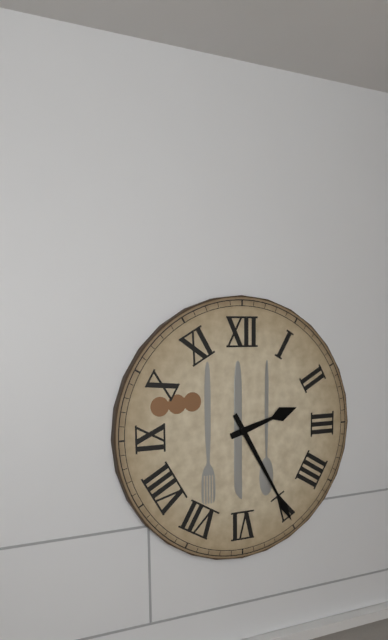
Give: 2:25
